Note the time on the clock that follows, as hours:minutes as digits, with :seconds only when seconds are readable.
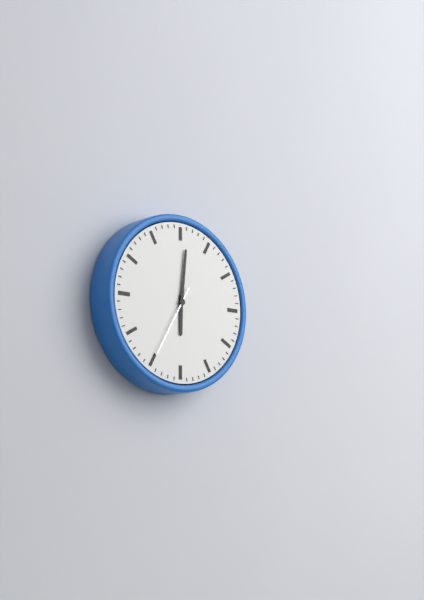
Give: 6:01:35
